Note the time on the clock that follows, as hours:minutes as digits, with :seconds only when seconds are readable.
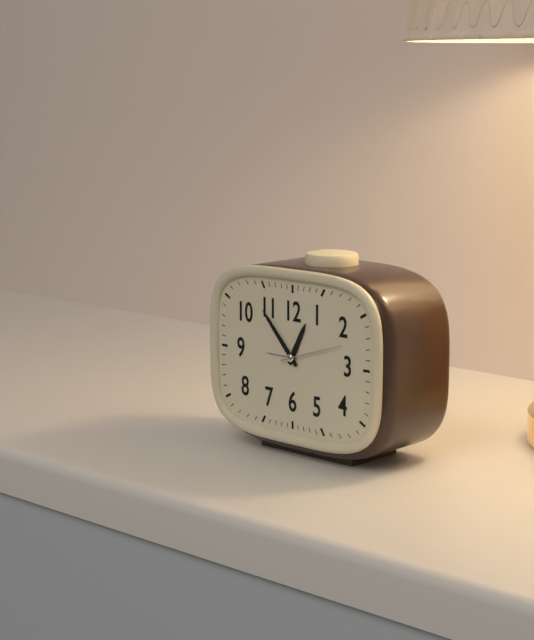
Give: 12:53:12
